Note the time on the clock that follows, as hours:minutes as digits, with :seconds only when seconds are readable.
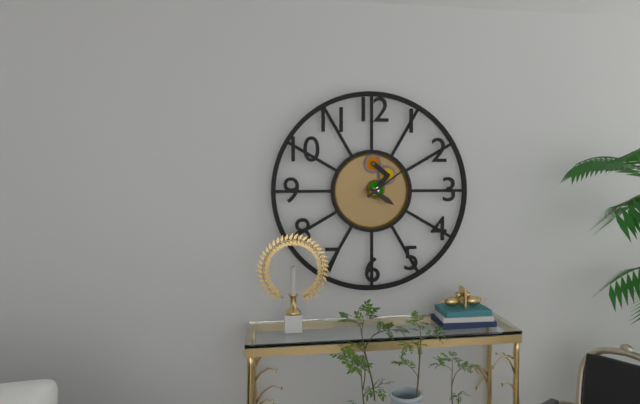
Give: 4:09
